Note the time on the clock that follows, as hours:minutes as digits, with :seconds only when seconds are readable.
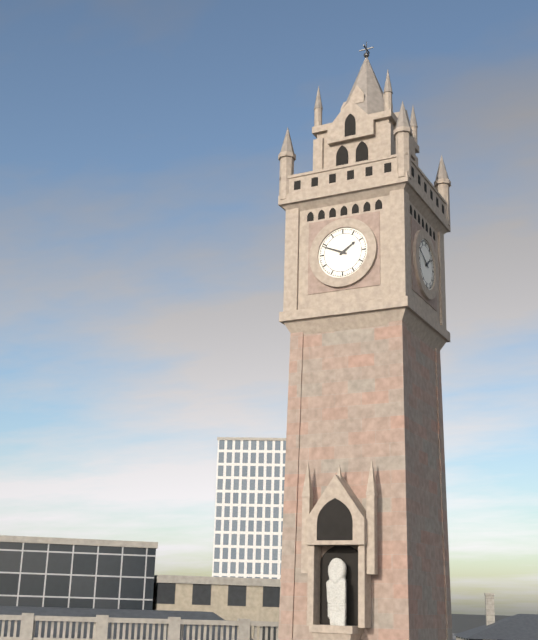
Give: 1:49
